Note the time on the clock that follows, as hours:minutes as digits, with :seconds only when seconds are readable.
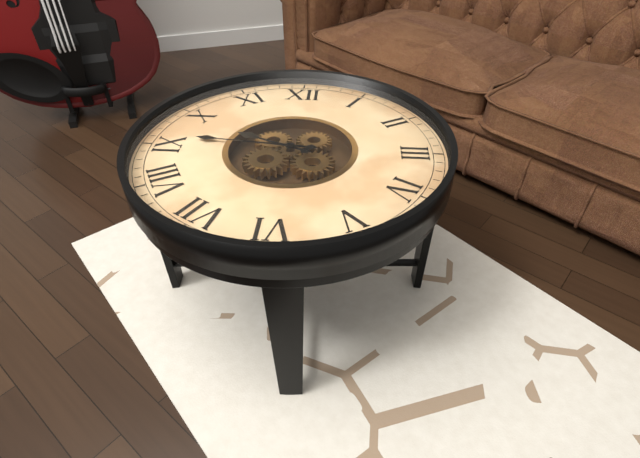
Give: 9:46
